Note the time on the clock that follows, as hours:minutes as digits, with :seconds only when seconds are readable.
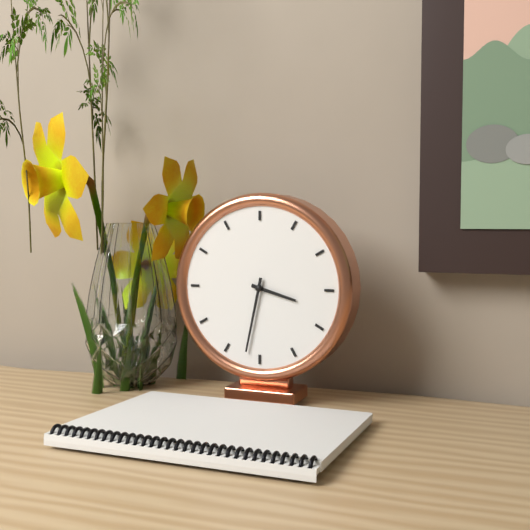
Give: 3:32
